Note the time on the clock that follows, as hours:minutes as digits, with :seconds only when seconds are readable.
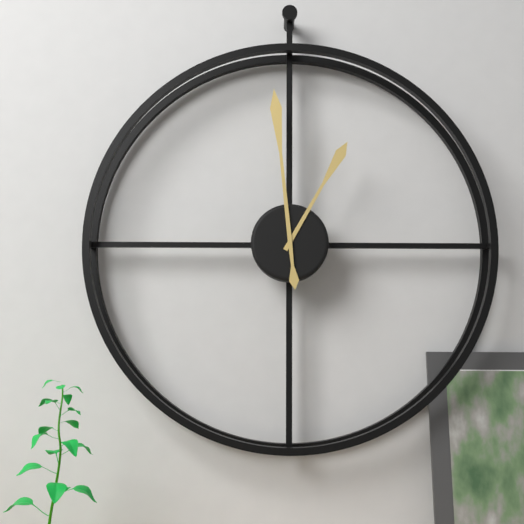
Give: 12:59
